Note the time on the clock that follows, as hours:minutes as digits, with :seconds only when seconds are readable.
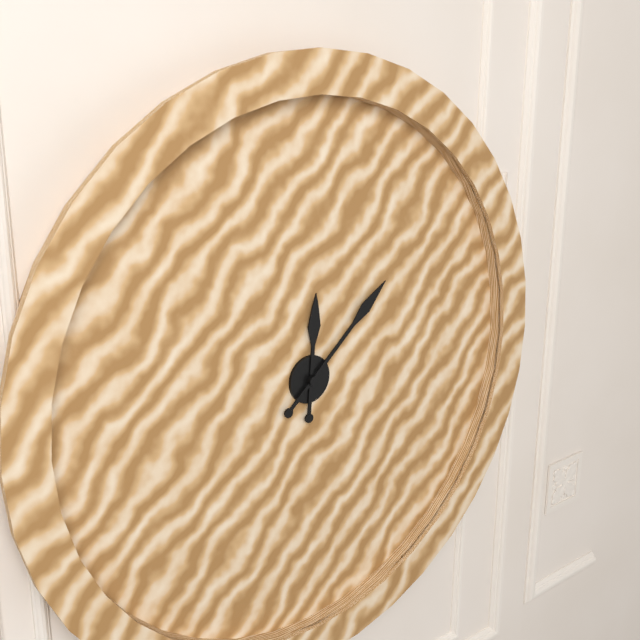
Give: 12:08
